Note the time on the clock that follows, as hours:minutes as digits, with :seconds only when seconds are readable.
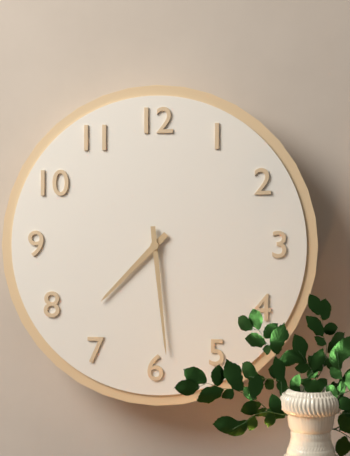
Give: 7:29
